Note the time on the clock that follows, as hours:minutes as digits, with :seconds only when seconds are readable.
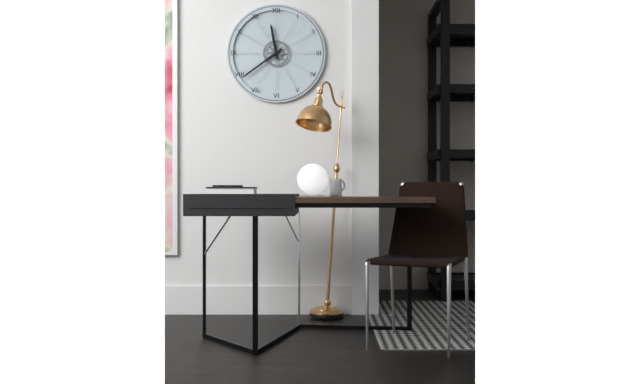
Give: 11:39
